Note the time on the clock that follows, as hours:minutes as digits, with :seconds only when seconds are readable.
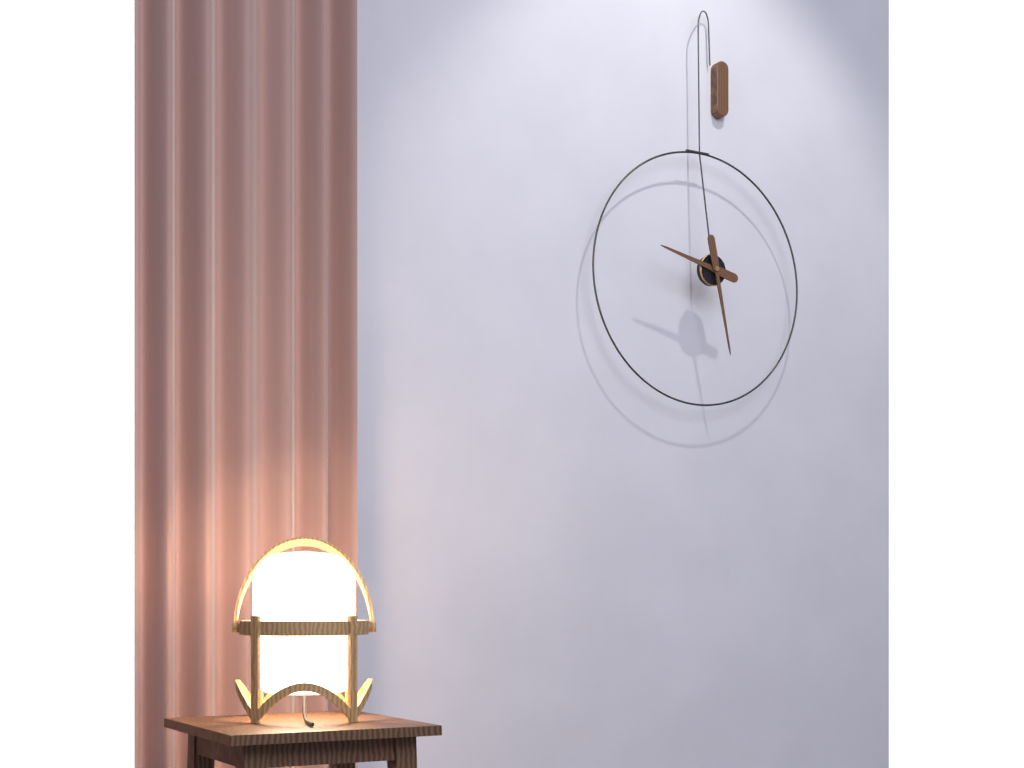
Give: 9:28
